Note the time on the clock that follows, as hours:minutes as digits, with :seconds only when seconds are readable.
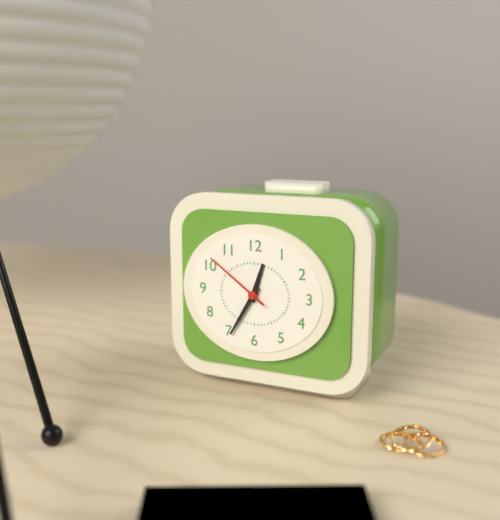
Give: 12:35:51
